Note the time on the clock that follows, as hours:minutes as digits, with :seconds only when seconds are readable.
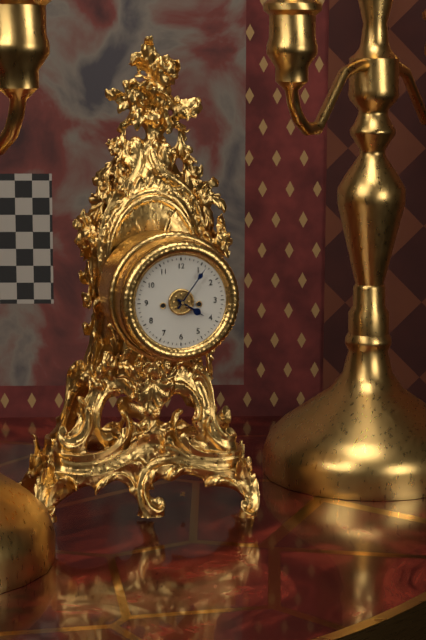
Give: 4:06
